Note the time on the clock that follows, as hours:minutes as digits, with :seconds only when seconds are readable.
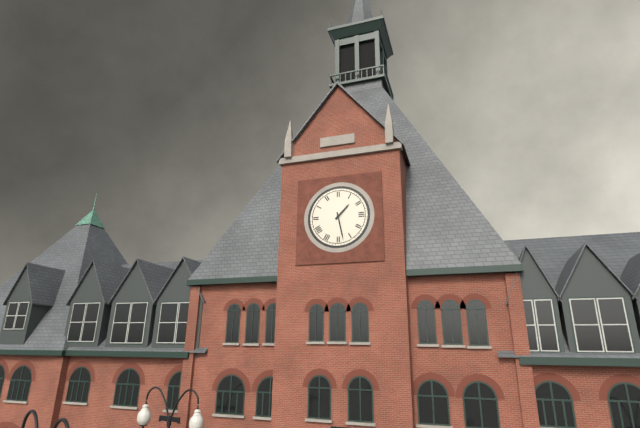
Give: 1:28
